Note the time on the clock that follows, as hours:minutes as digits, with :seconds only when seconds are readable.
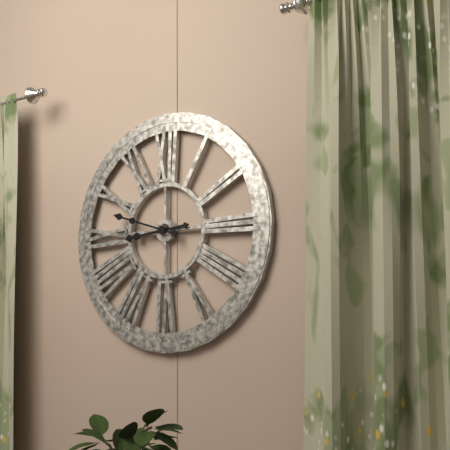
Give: 8:48
